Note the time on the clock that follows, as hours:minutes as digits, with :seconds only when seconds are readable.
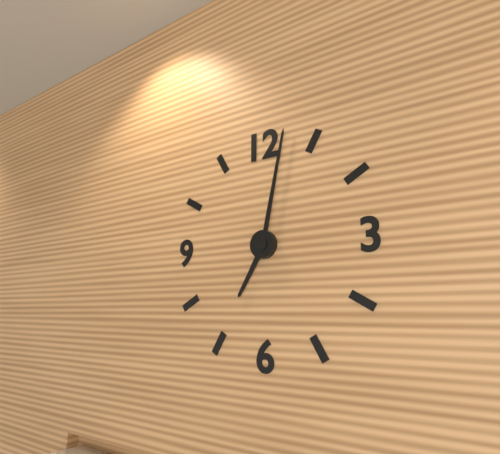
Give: 7:02
